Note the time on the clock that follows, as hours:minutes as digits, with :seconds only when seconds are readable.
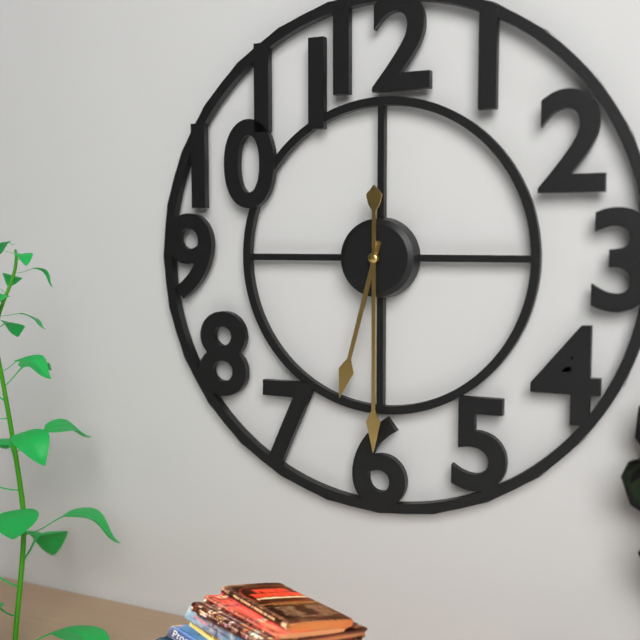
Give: 6:30
